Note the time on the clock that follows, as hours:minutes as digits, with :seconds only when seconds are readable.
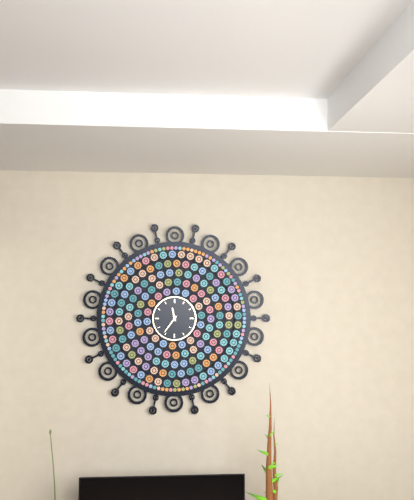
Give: 11:36
